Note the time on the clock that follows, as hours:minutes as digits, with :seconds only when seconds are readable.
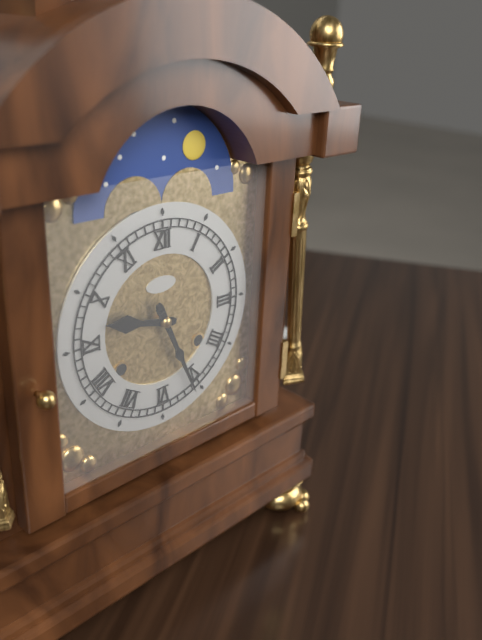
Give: 9:26
